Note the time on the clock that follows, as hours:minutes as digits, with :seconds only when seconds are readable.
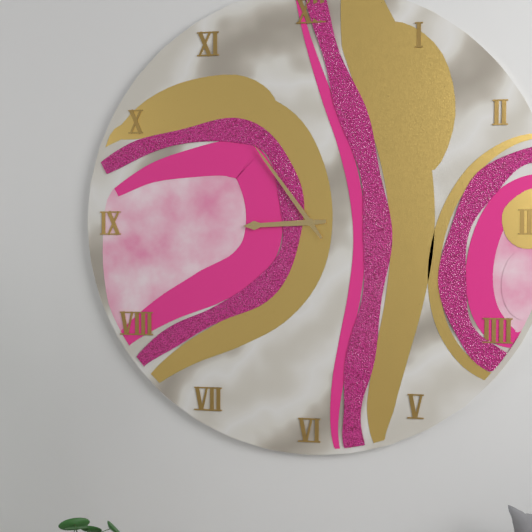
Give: 8:54
